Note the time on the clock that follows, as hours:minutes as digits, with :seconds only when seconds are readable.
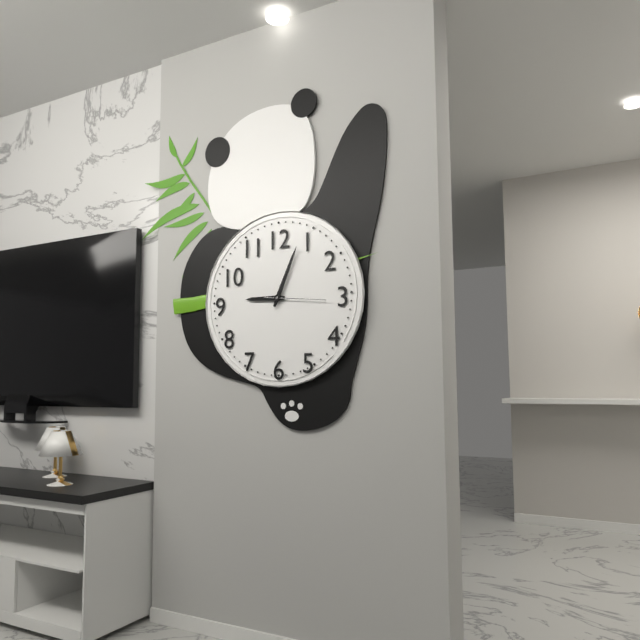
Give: 9:04:16
